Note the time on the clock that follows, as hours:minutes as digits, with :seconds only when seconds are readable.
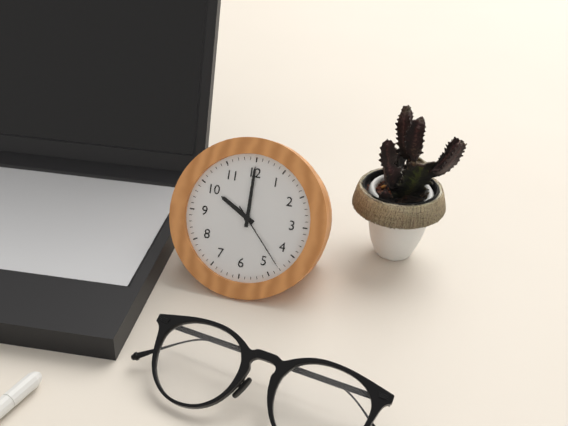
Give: 10:00:23
